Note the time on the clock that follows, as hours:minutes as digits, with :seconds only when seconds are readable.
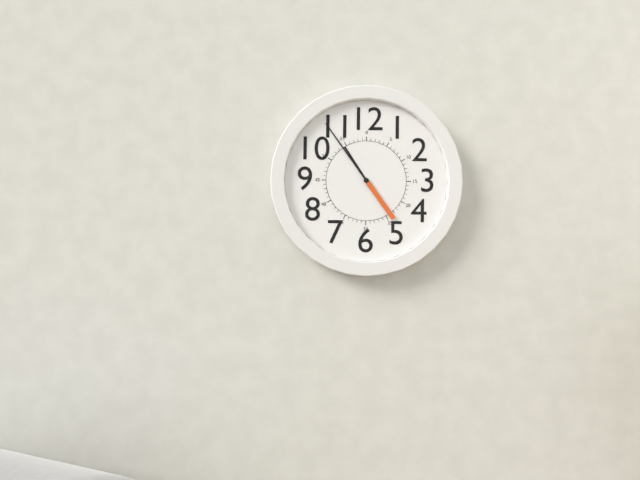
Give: 10:54:24
